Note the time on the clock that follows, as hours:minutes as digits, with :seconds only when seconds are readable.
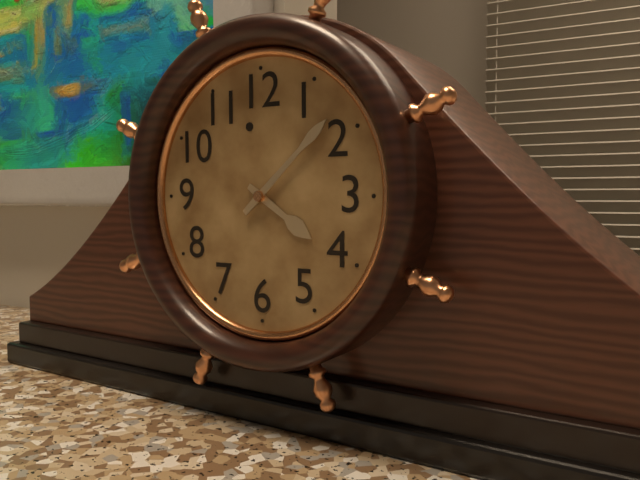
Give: 4:08
